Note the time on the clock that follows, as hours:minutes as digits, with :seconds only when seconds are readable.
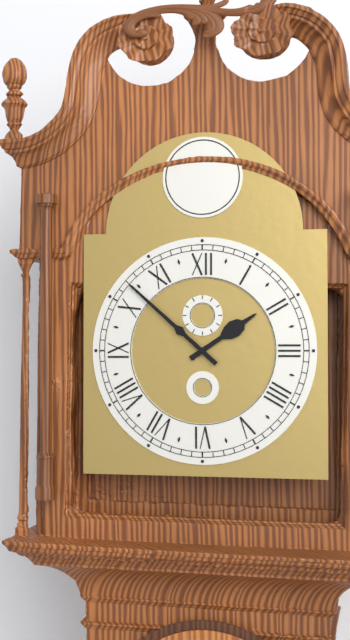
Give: 1:52
